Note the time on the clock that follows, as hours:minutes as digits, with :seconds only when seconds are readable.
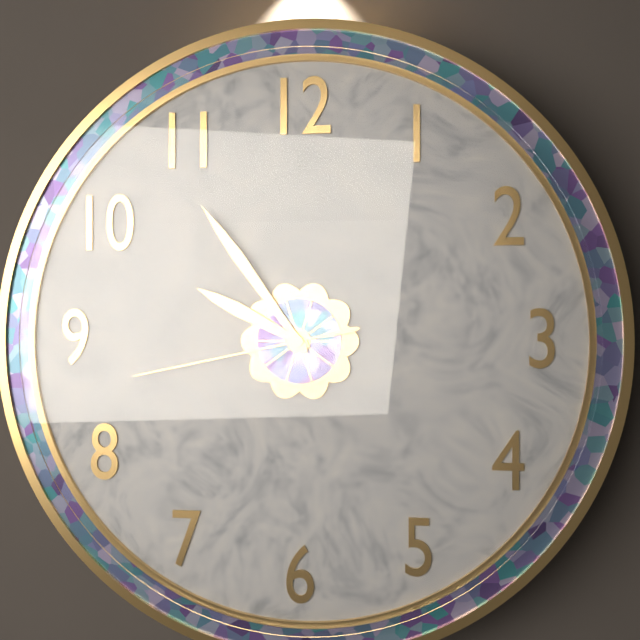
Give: 9:54:43
